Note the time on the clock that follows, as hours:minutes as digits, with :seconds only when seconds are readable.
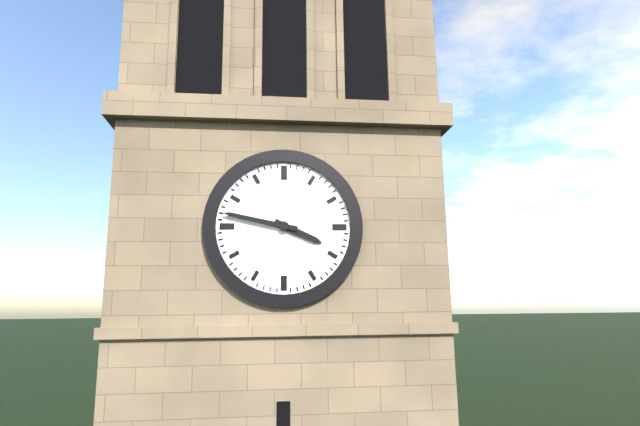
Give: 3:47
